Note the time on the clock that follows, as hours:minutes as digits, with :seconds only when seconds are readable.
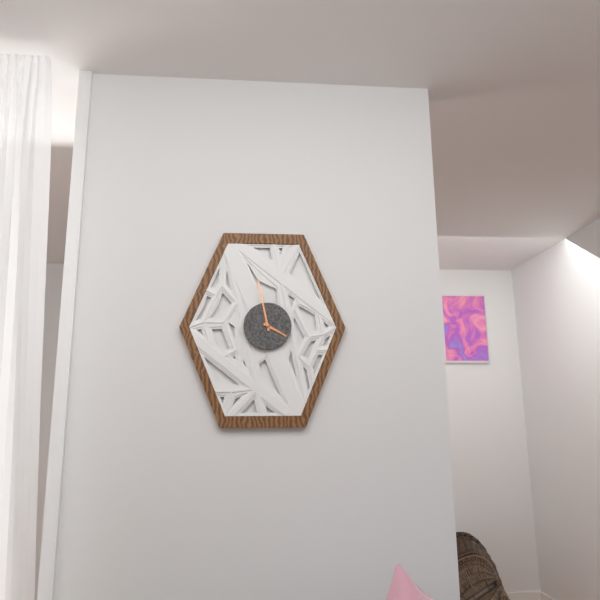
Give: 3:58
